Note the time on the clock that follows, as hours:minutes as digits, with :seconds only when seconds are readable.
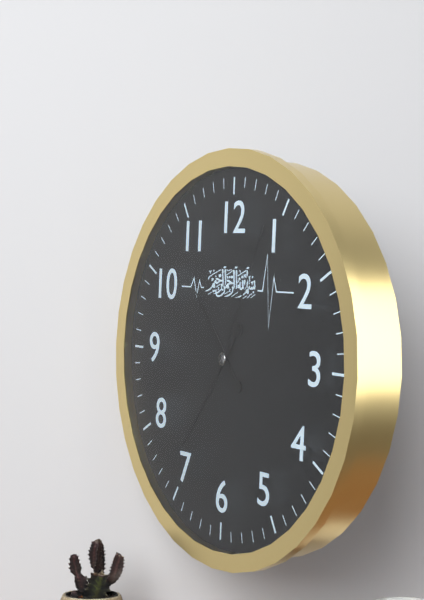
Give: 10:36:04
